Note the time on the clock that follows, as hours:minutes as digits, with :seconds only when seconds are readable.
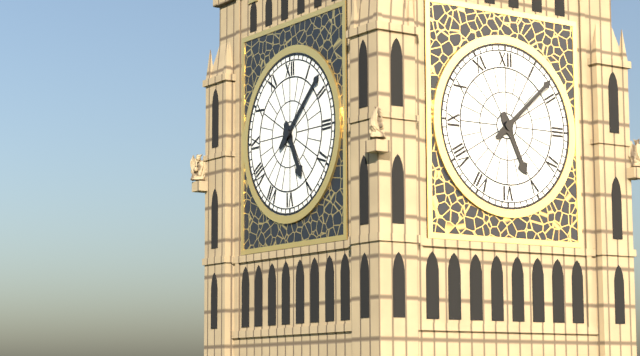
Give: 5:08
